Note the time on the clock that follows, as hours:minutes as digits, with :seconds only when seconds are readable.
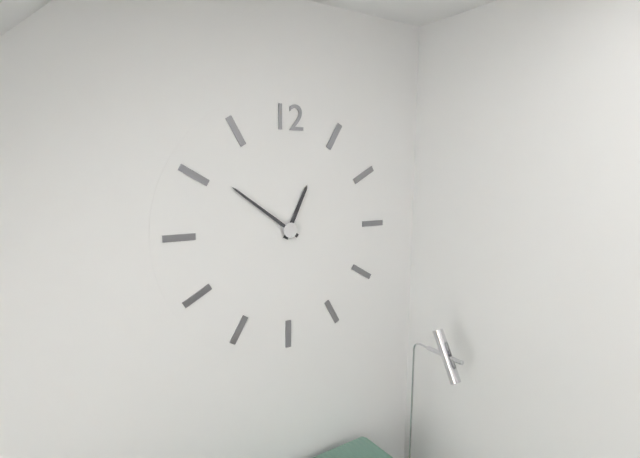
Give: 12:51
